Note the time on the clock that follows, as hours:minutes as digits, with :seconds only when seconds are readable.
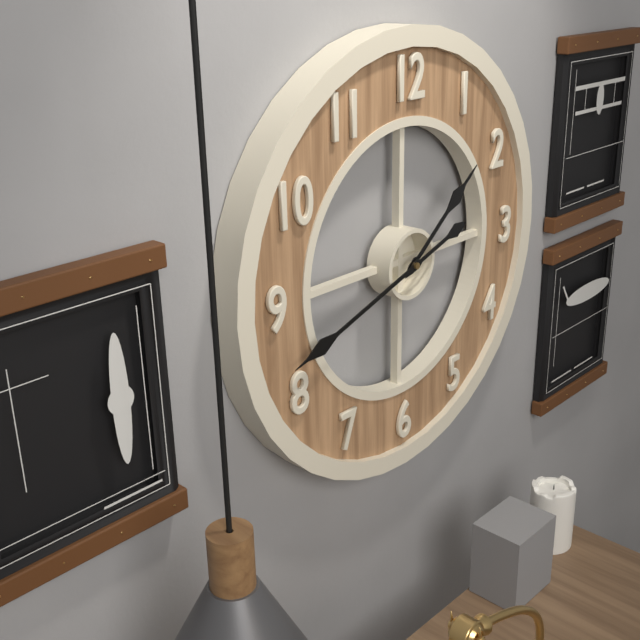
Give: 1:42
